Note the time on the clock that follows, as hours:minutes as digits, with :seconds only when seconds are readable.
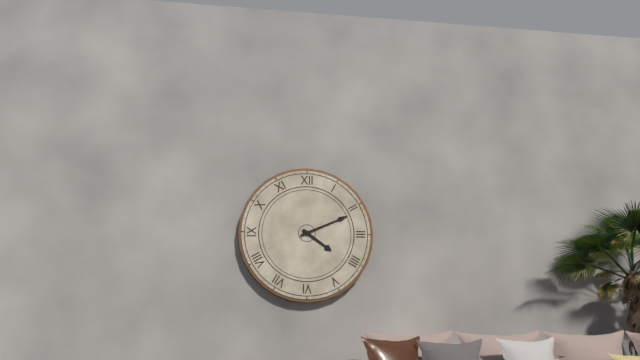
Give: 4:11
